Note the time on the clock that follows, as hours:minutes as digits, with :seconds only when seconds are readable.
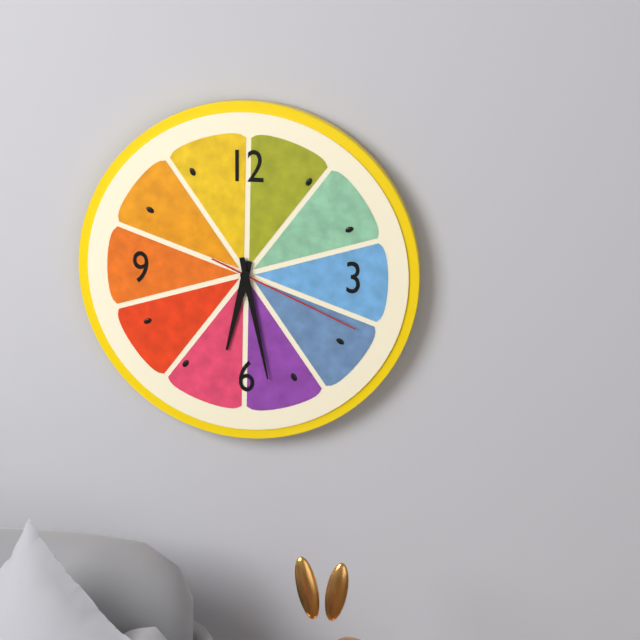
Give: 6:28:19
